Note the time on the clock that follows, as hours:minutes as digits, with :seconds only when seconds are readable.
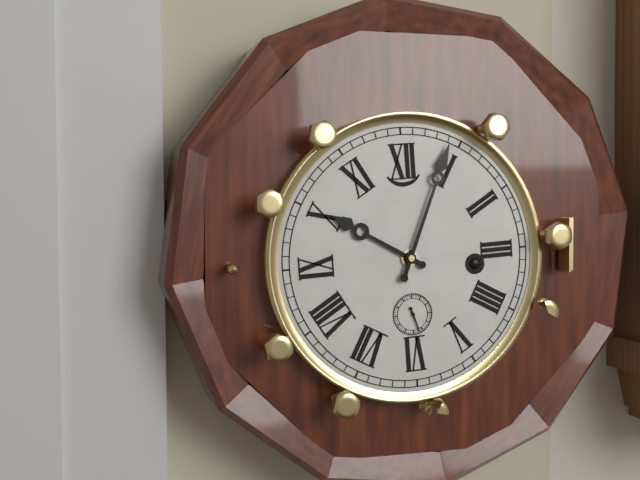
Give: 10:04
